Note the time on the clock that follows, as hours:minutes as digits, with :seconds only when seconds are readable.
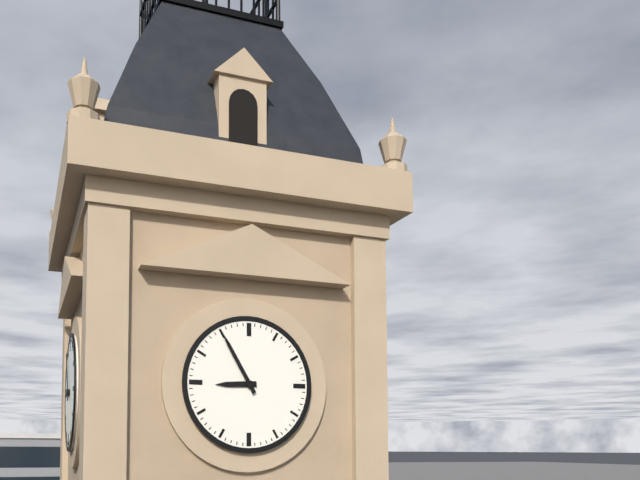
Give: 8:55
